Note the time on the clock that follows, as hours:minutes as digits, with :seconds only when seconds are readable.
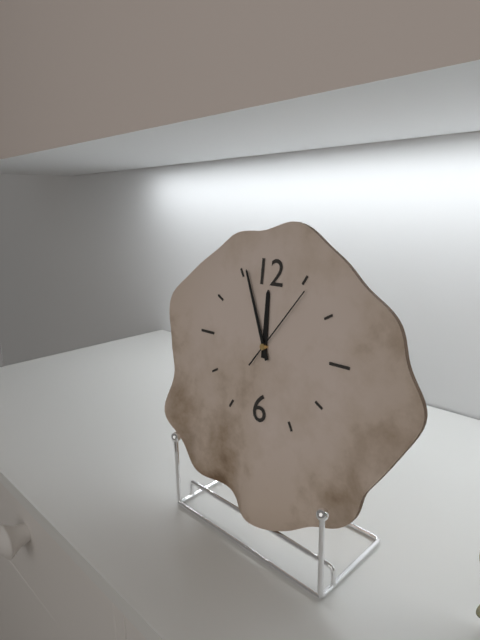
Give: 11:56:06
